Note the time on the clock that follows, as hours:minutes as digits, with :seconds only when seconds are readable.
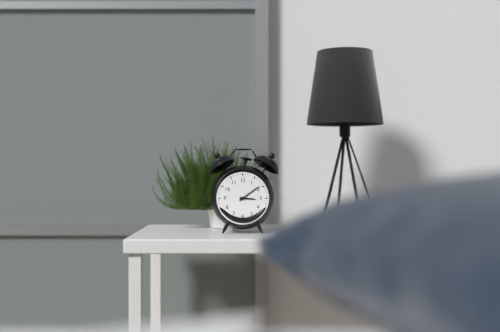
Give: 3:09
